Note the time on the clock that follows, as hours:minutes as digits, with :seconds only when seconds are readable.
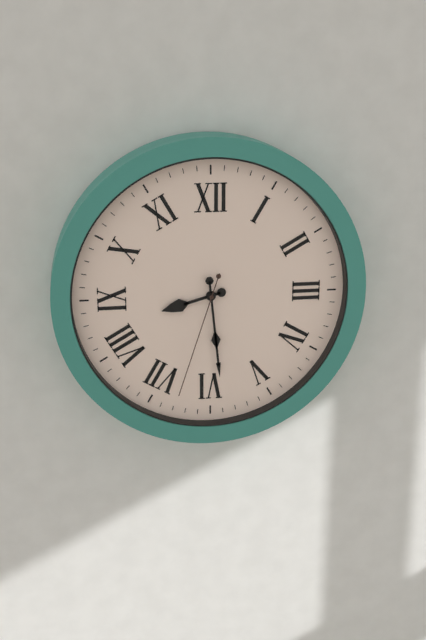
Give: 8:29:33
